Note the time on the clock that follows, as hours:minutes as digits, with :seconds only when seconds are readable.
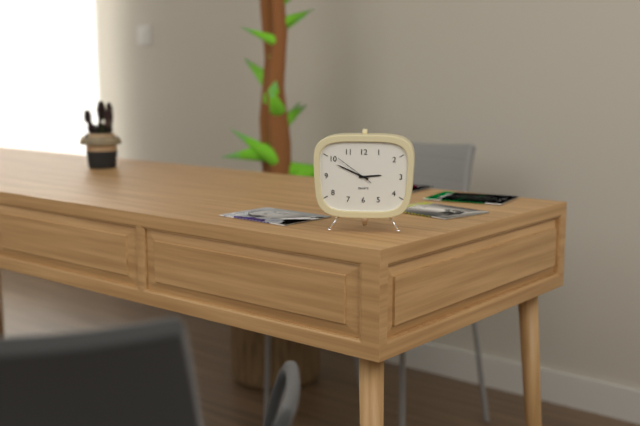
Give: 2:49
